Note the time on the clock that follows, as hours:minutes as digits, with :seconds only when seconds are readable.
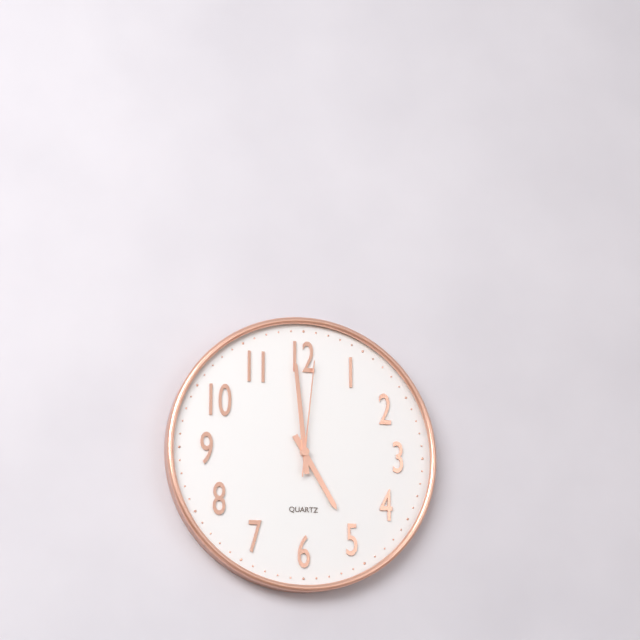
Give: 4:59:01
